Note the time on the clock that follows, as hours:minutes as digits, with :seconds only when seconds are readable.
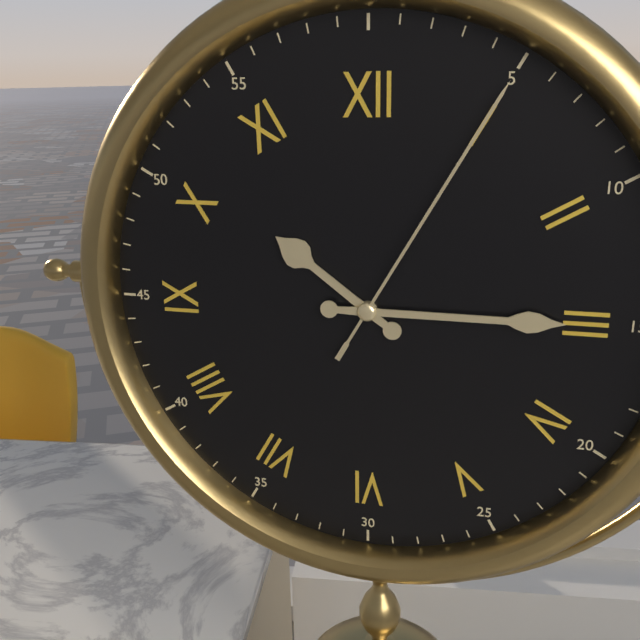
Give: 10:15:05
